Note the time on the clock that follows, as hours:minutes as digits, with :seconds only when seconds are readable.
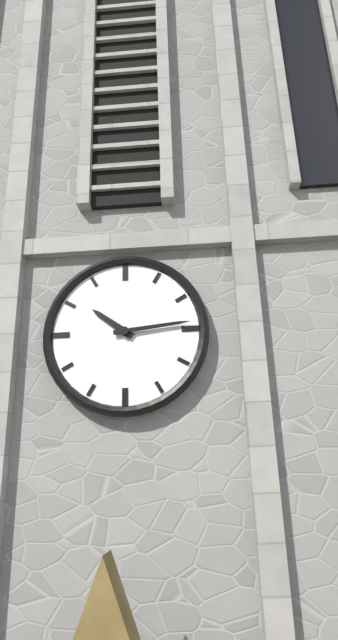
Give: 10:14
